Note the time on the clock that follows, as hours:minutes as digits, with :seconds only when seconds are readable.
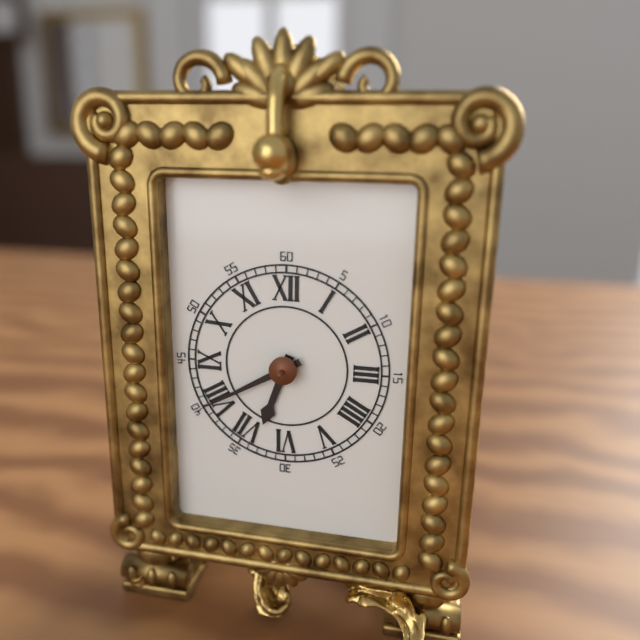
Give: 6:40
